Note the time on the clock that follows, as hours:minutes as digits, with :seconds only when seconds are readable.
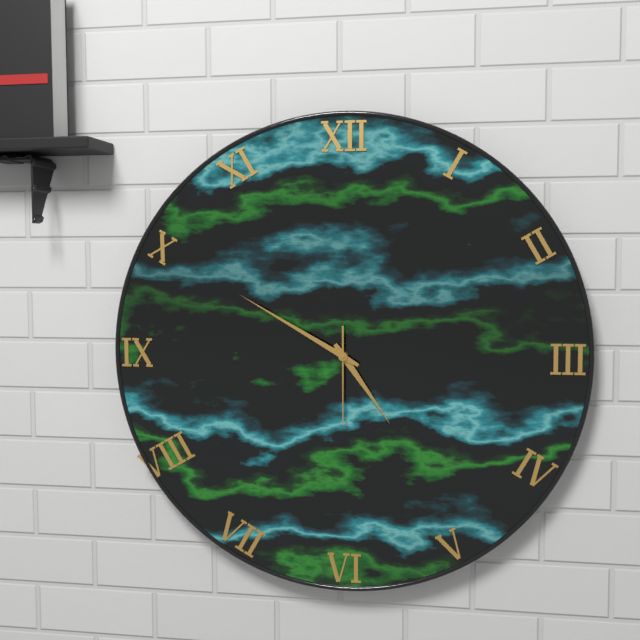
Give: 4:50:30
